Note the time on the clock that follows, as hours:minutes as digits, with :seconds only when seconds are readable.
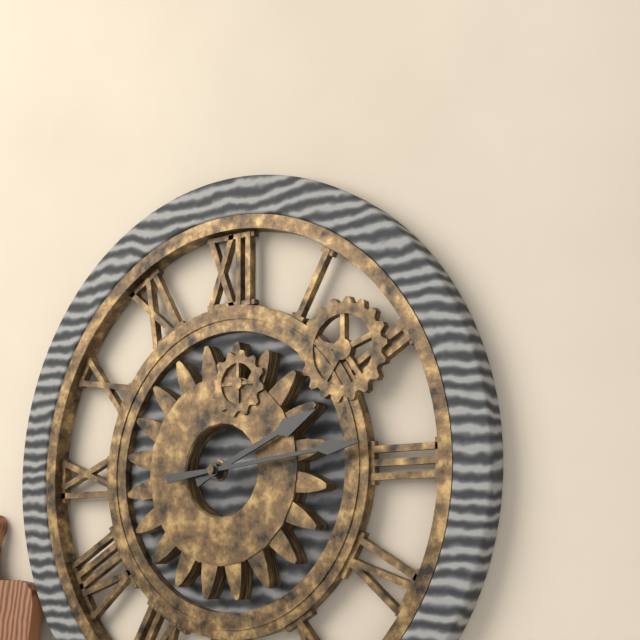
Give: 2:14
